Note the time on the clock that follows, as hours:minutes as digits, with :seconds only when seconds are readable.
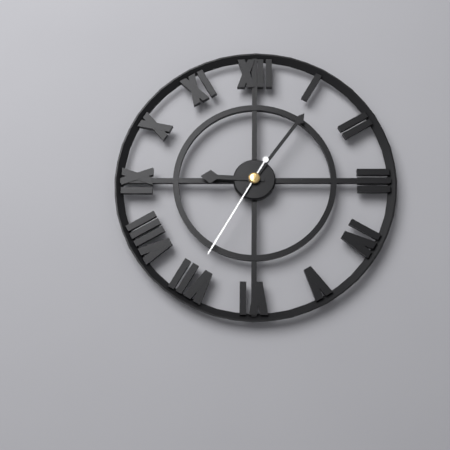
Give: 9:06:35
